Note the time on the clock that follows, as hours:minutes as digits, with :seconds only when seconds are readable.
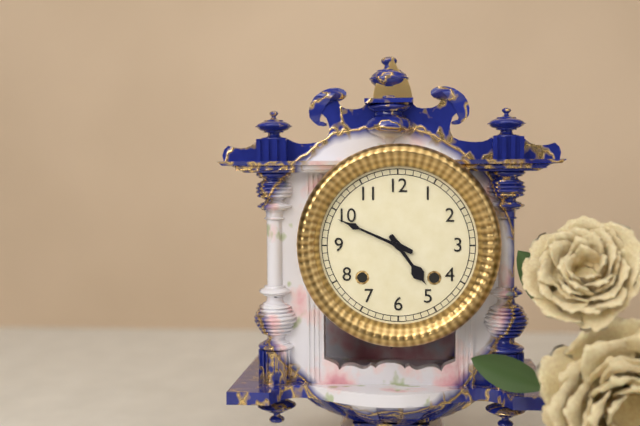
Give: 4:49
